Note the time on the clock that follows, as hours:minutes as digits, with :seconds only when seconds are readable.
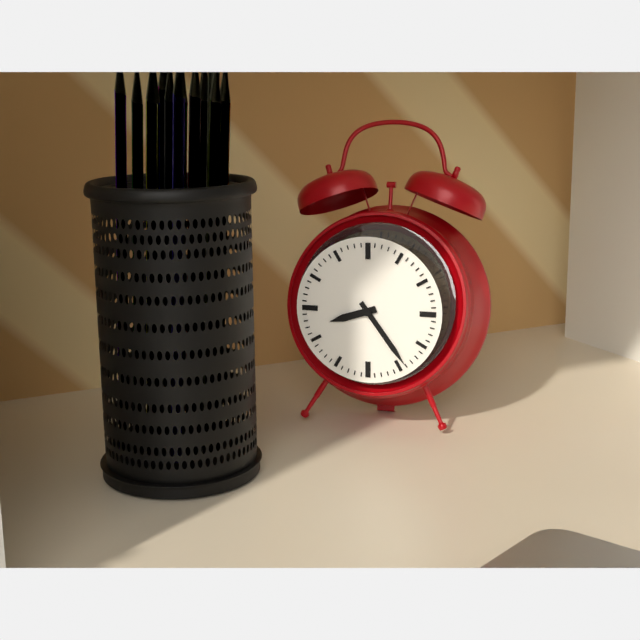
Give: 8:24
